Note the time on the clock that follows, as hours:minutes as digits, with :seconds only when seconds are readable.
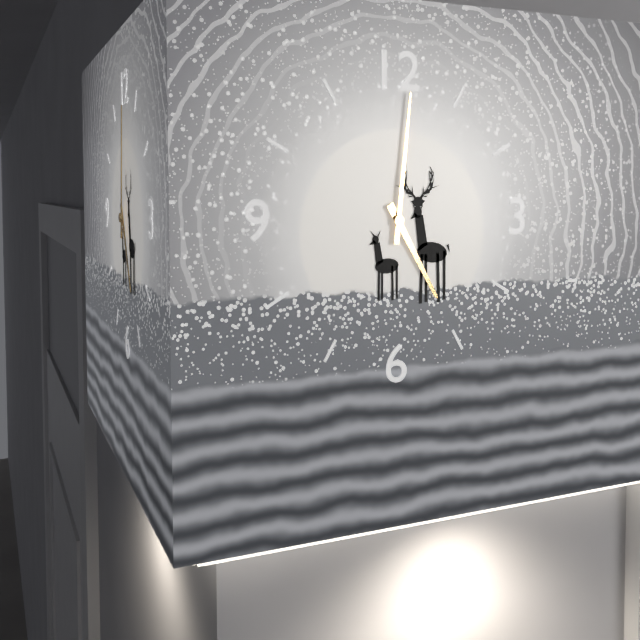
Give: 5:01
